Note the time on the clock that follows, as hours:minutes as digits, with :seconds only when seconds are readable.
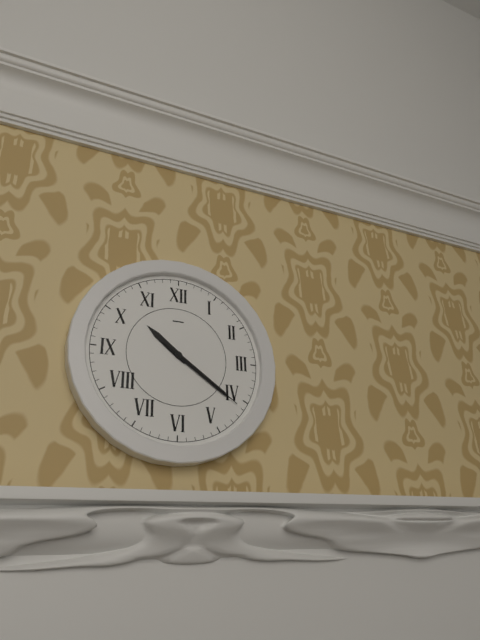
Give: 10:21:21
